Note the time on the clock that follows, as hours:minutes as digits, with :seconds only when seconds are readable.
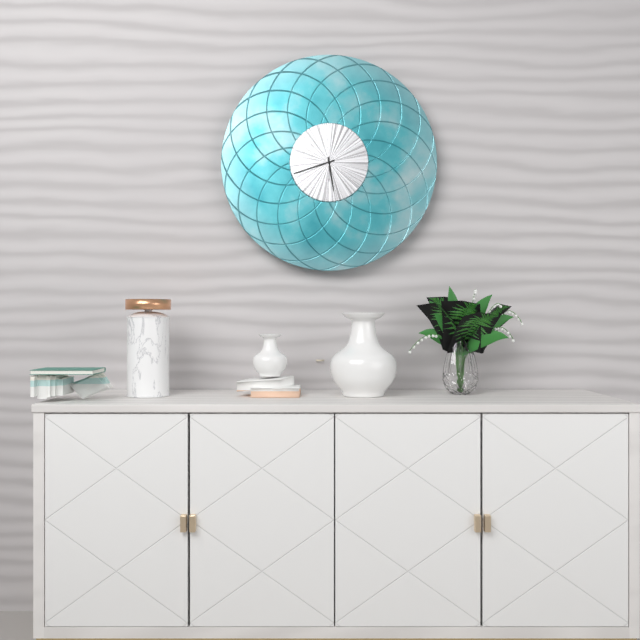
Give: 5:42
